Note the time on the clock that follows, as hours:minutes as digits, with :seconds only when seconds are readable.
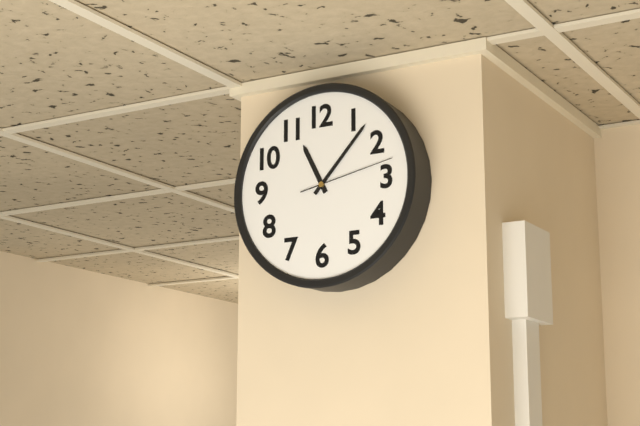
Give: 11:07:13
